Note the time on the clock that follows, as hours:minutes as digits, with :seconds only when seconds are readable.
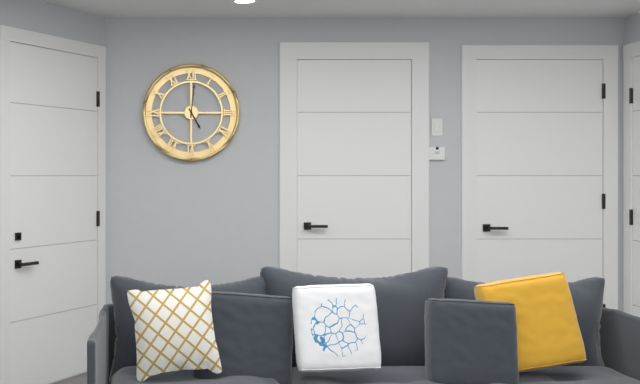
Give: 5:01
